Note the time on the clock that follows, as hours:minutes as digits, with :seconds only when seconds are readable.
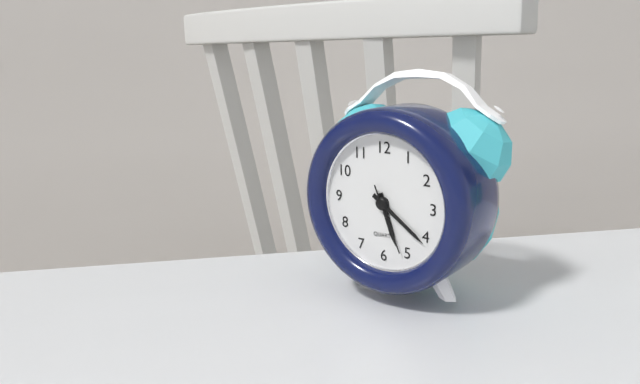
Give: 5:21:26
